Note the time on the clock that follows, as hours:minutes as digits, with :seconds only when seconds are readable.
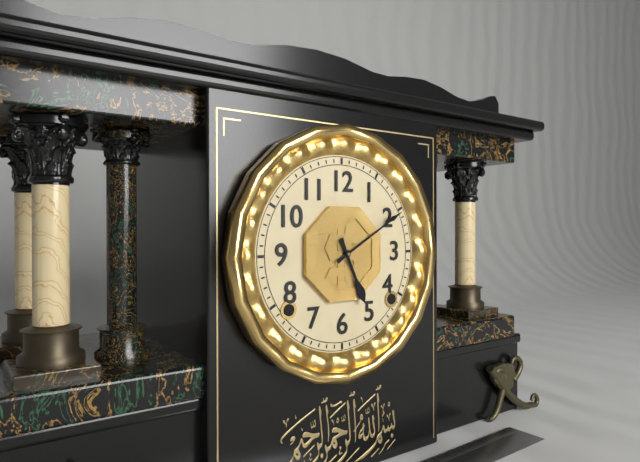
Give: 5:10
